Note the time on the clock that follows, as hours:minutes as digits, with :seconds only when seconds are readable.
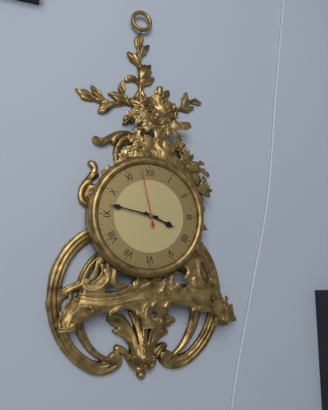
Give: 3:47:58
